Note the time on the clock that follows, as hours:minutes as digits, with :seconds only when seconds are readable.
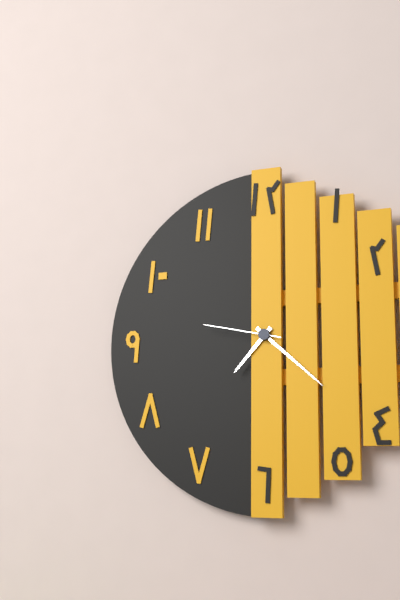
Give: 7:22:47
